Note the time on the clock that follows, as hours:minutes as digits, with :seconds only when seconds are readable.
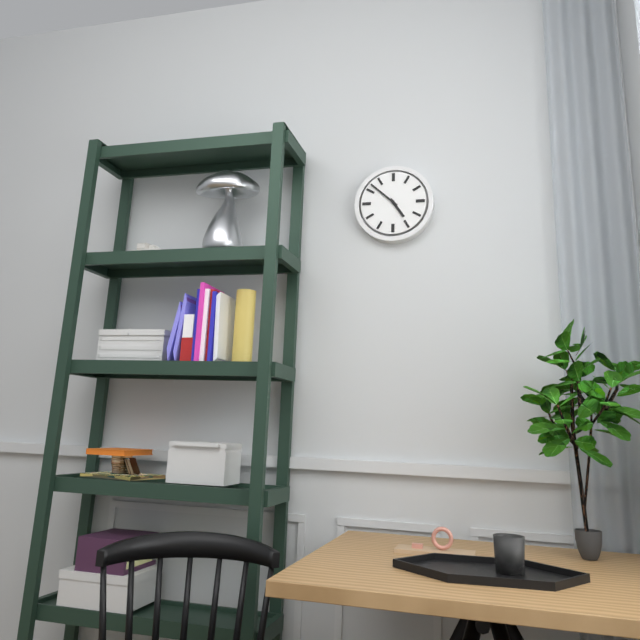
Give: 4:52
